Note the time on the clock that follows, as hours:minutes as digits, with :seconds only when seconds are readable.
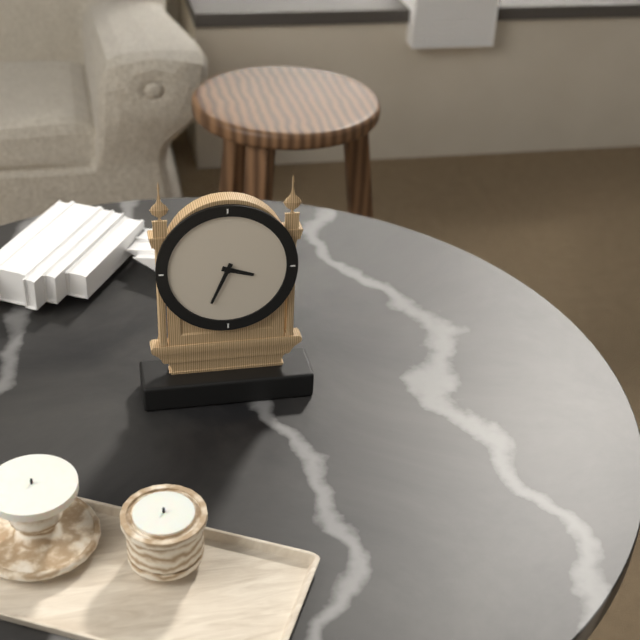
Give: 3:34
